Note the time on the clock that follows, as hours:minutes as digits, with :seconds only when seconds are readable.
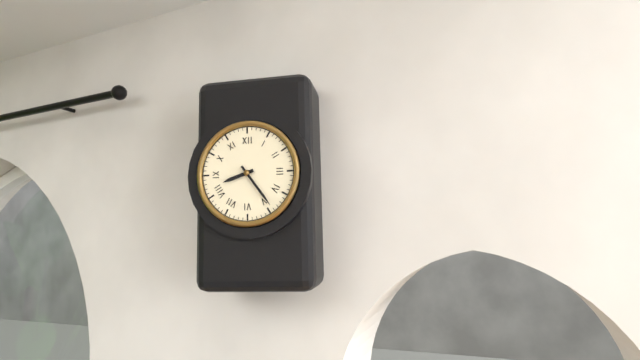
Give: 8:24
